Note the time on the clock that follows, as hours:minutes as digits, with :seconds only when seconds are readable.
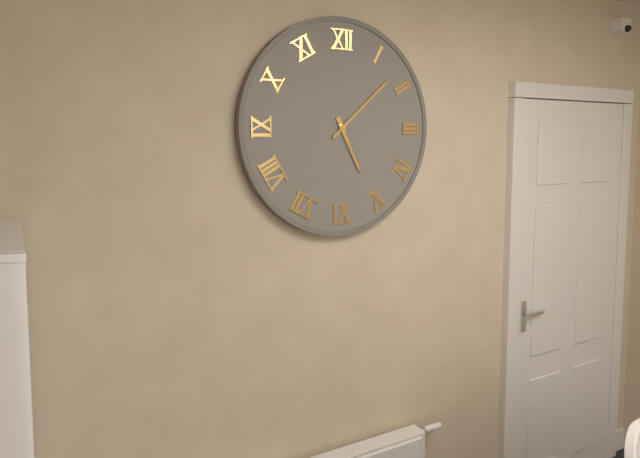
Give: 5:08
